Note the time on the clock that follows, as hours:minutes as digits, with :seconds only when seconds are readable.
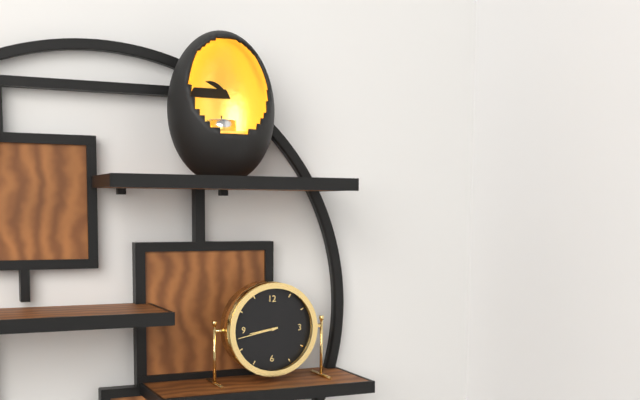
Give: 8:43
